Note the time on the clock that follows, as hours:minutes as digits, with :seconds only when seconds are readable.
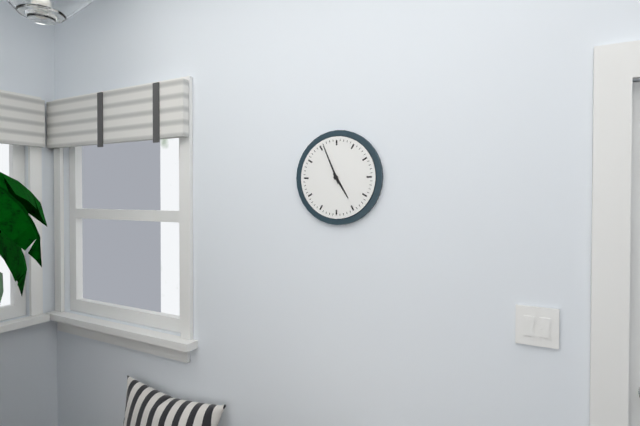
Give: 4:56
